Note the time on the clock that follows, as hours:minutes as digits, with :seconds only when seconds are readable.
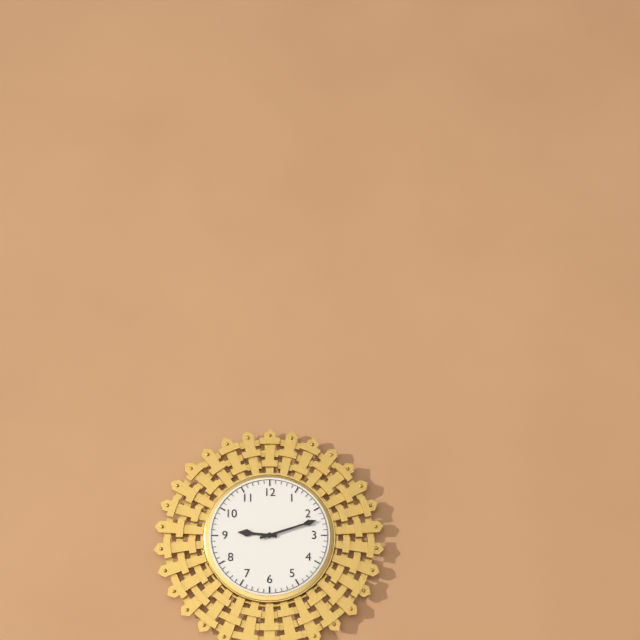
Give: 9:12
